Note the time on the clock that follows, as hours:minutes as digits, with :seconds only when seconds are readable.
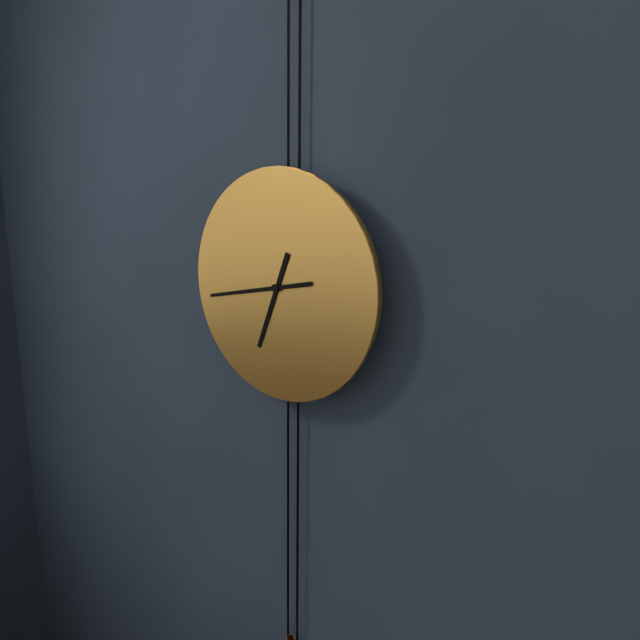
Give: 6:43
